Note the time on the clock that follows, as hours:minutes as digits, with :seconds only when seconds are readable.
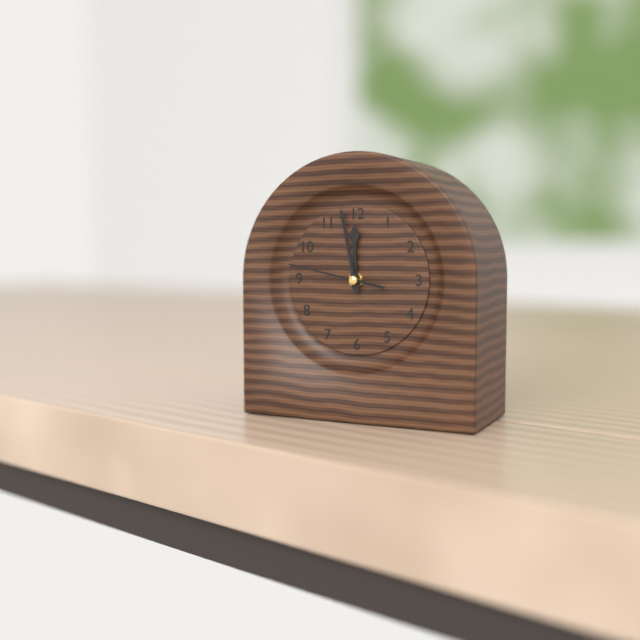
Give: 11:58:47
